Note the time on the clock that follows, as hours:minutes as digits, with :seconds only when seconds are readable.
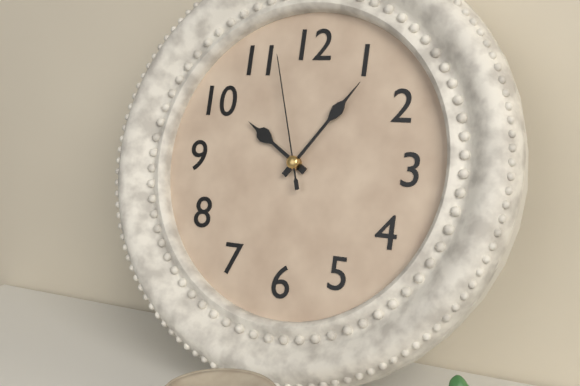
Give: 10:06:57
